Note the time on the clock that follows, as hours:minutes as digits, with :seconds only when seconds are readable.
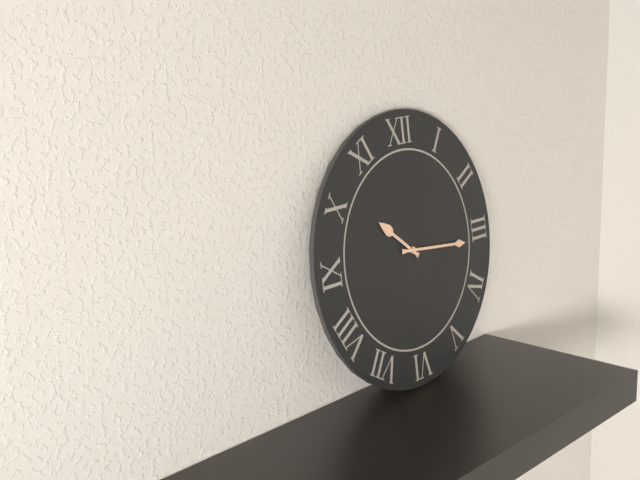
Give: 10:16
